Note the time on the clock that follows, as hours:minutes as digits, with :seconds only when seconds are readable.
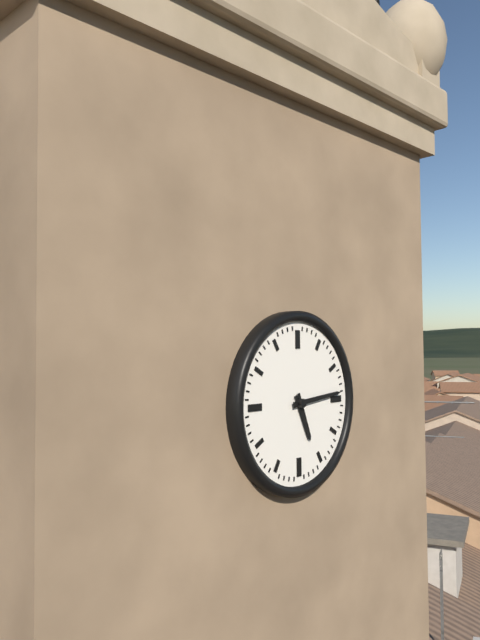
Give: 5:14
